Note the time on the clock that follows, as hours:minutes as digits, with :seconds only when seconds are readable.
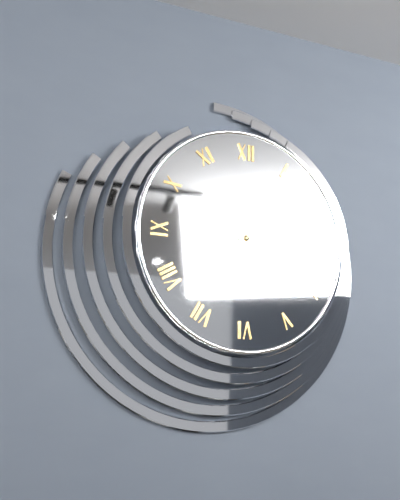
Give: 3:06
